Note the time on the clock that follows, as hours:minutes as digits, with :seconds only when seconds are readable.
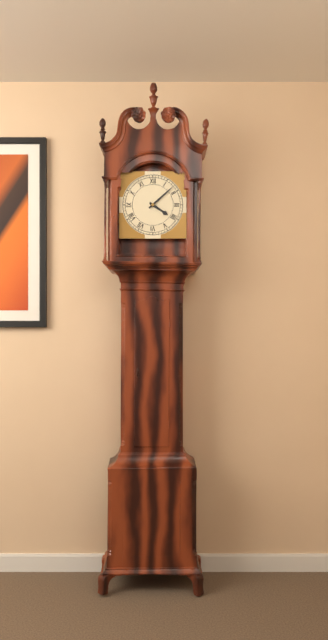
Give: 4:08
